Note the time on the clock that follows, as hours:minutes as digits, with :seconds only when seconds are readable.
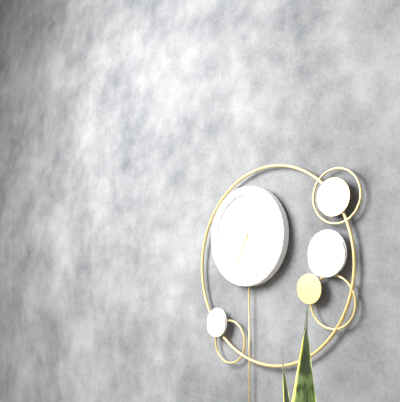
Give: 5:34
